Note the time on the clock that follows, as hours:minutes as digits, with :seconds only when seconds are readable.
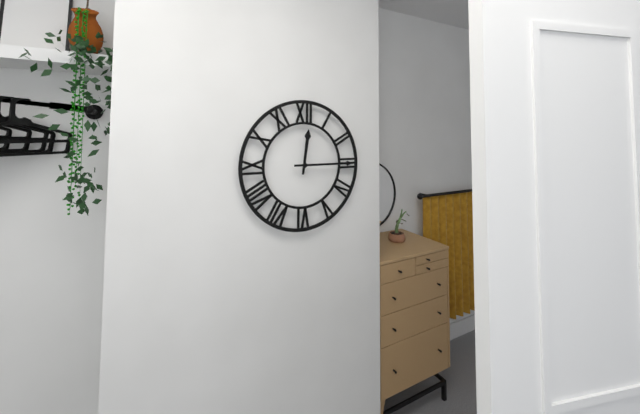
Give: 12:15
